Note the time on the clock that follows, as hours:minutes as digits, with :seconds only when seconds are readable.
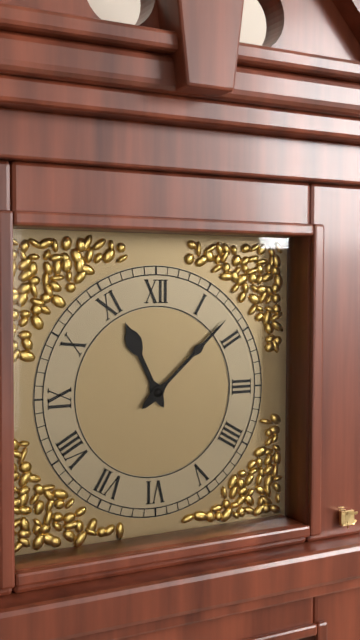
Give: 11:08
